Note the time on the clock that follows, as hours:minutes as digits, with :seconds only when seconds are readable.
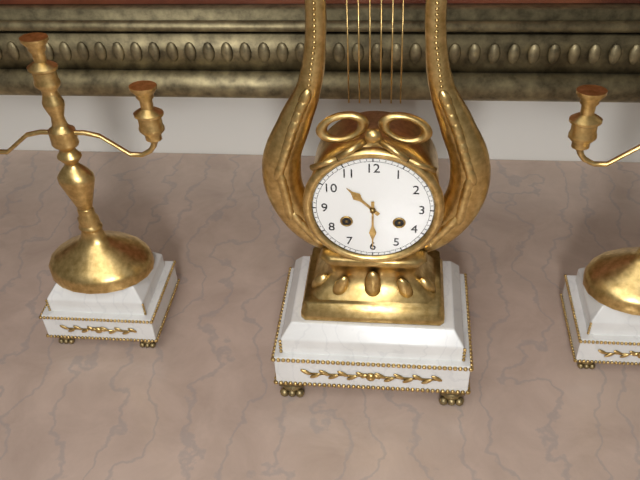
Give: 10:30
